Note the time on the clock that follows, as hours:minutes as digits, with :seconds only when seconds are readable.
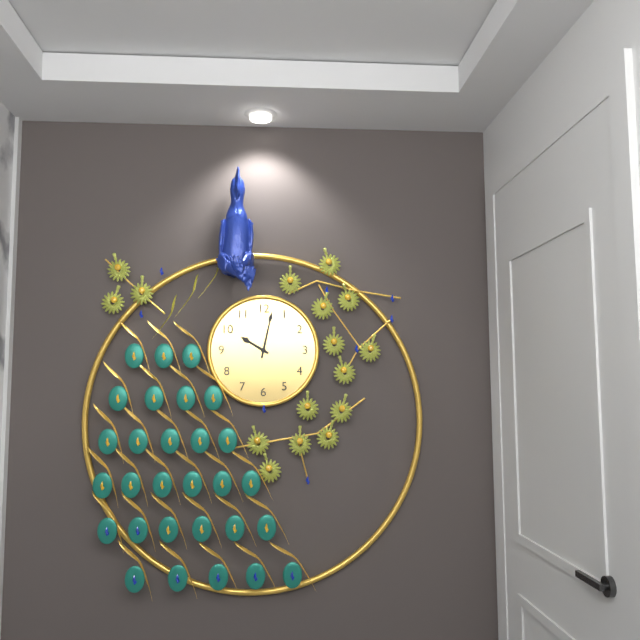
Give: 10:02
